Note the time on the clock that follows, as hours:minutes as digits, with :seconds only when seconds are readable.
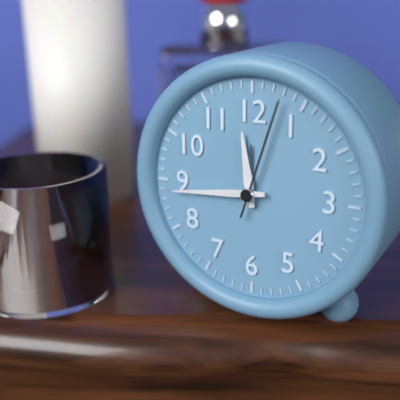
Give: 11:44:03
